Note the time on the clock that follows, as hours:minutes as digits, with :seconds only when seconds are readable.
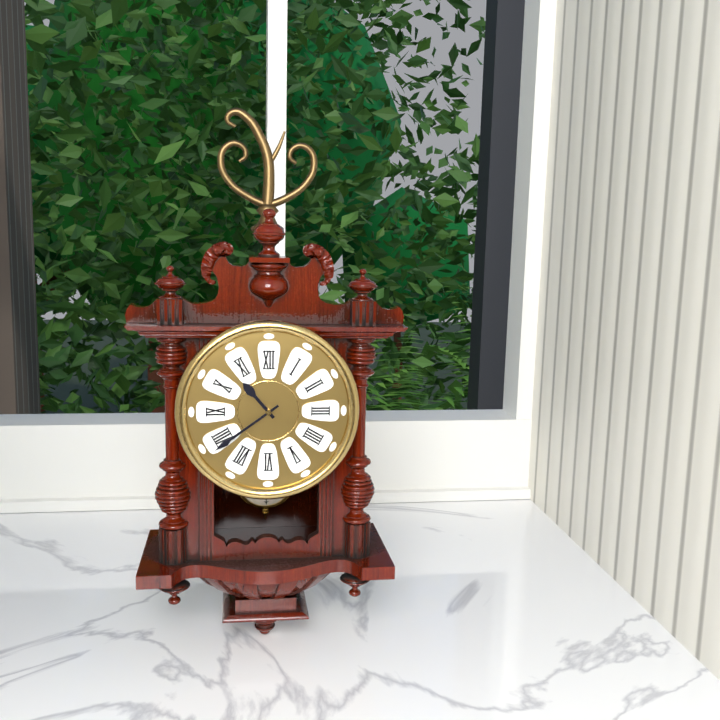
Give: 10:39
